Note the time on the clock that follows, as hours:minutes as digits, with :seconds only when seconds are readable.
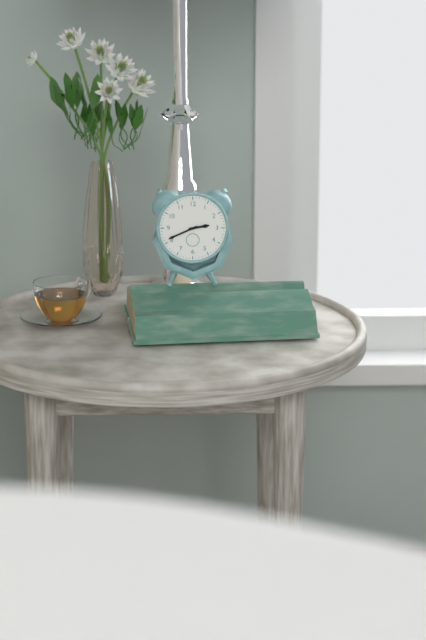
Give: 2:41
